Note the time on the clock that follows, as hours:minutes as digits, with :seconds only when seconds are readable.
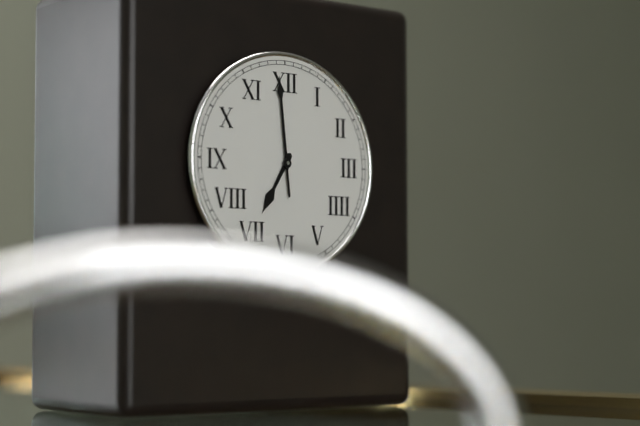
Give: 6:59
